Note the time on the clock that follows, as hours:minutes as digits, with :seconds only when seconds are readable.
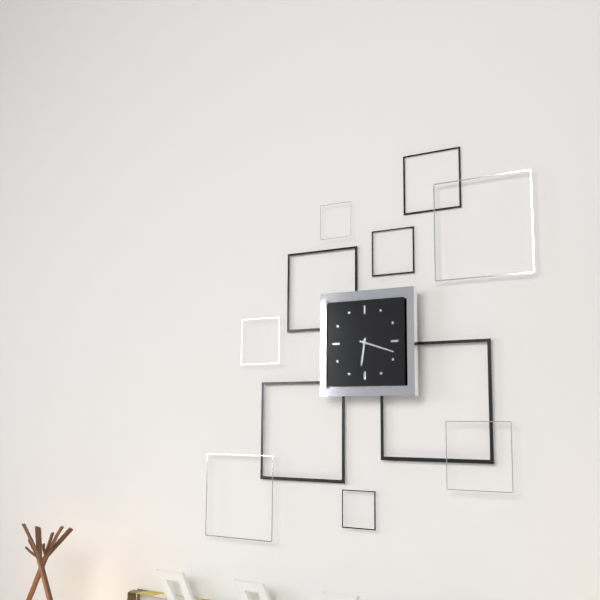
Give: 6:18
